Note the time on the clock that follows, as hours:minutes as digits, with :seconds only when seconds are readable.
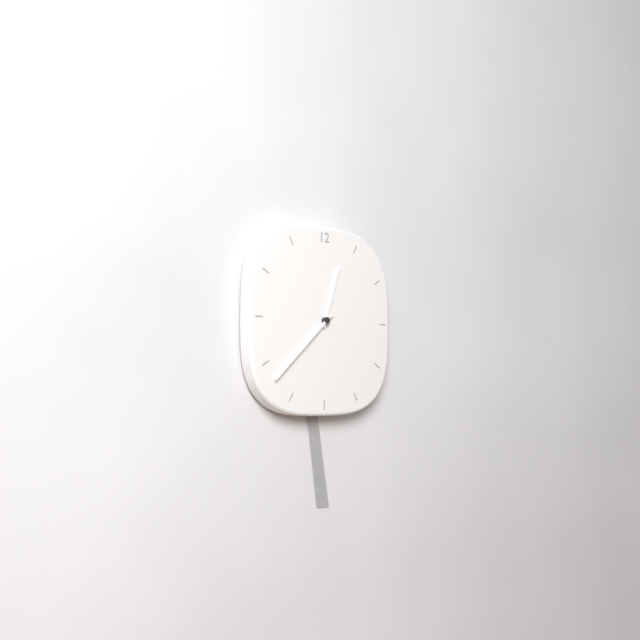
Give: 12:38
